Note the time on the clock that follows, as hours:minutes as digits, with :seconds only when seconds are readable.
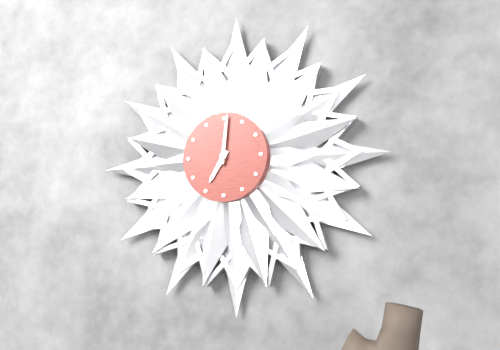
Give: 7:01
